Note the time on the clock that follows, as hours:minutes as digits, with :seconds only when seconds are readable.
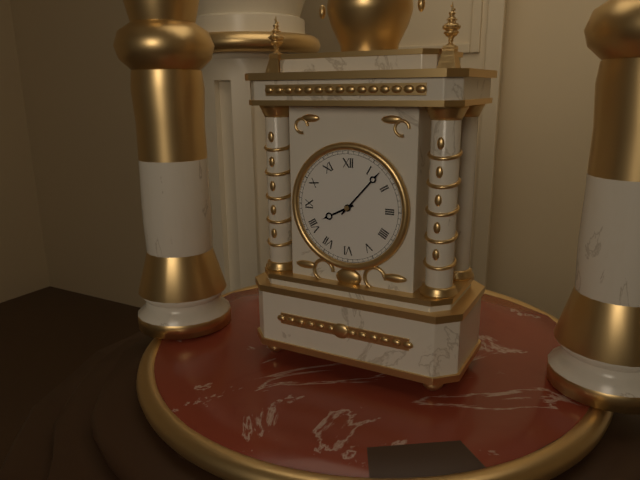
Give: 8:07
